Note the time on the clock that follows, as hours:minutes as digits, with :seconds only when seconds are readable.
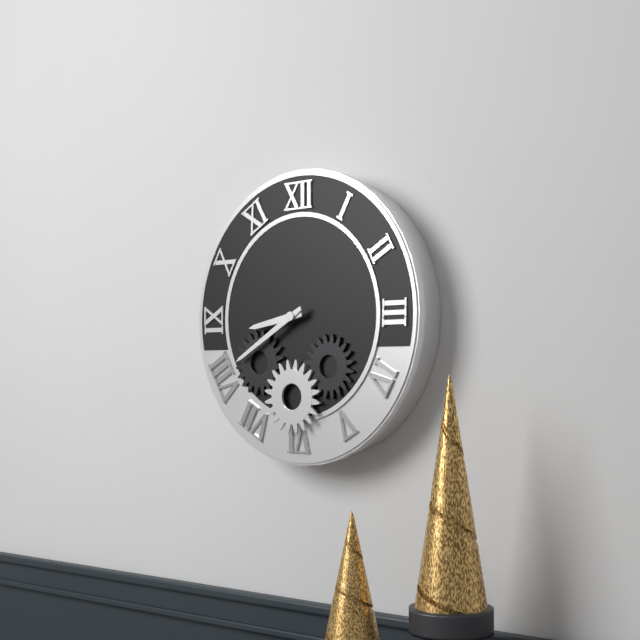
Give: 8:40
